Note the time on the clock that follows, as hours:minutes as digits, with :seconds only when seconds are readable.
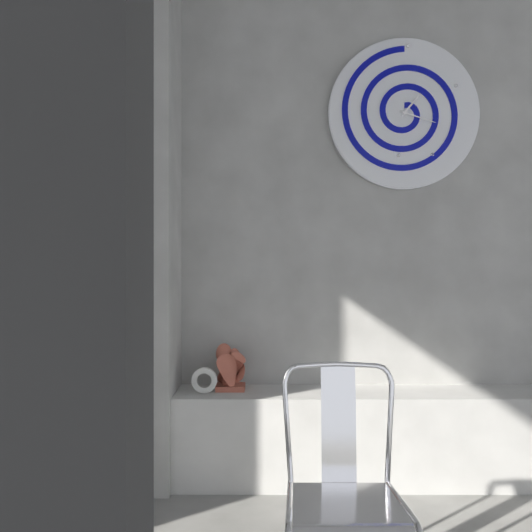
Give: 1:18
